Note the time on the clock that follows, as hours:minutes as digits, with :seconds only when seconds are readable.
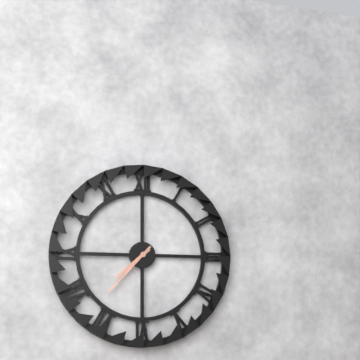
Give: 7:37
